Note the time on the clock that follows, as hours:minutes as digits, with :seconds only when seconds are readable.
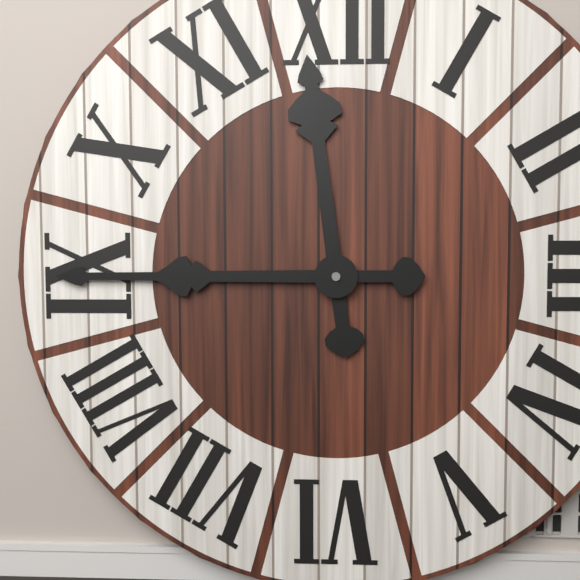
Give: 11:45
